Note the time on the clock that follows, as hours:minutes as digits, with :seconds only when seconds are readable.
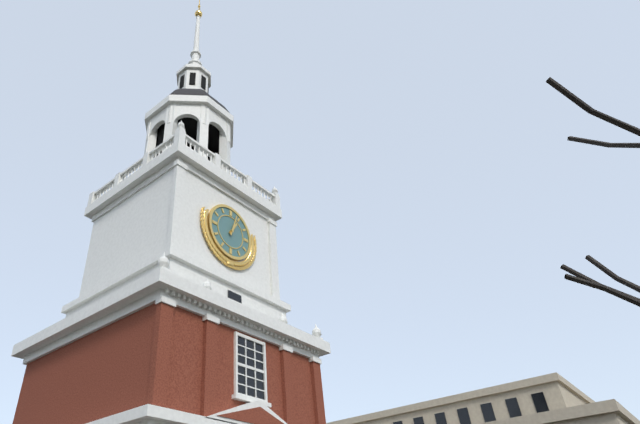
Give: 1:03
